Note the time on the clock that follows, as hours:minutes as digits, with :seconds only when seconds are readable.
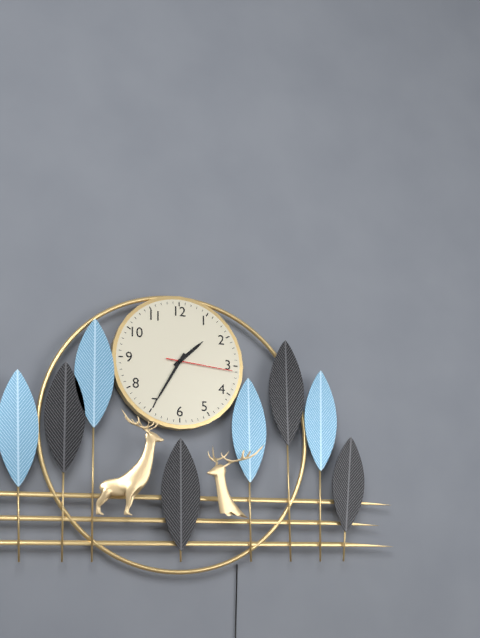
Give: 1:35:16
